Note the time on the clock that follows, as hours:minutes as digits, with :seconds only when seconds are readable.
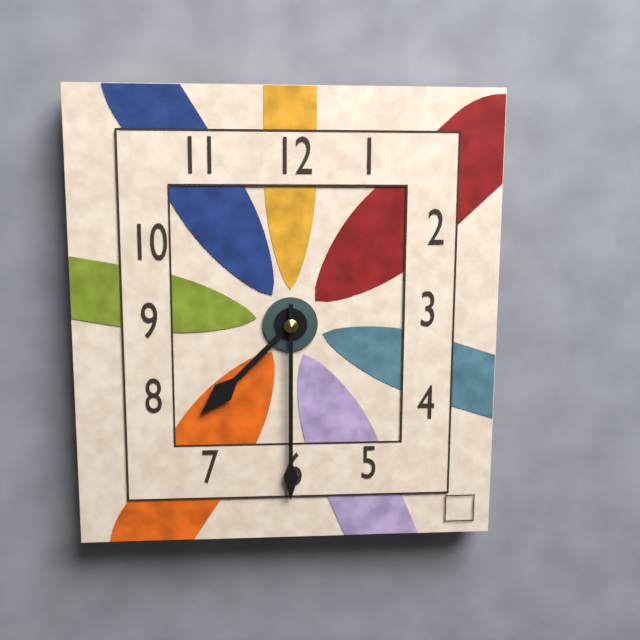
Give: 7:30
